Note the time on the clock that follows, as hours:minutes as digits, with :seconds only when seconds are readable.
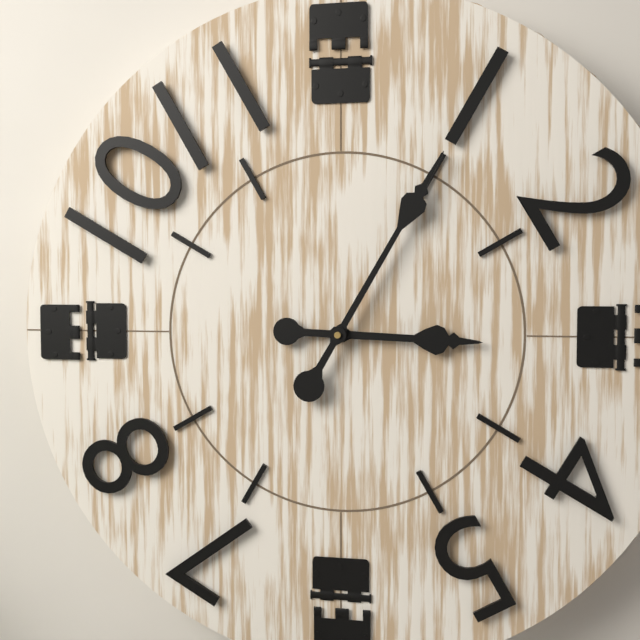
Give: 3:05
